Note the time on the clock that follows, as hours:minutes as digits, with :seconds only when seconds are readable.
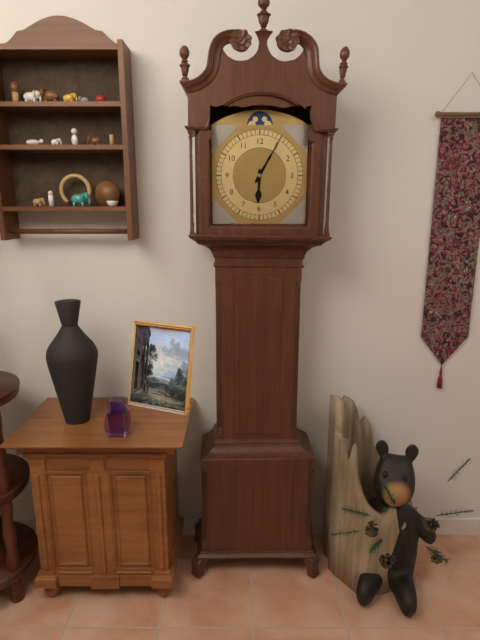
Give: 6:05
